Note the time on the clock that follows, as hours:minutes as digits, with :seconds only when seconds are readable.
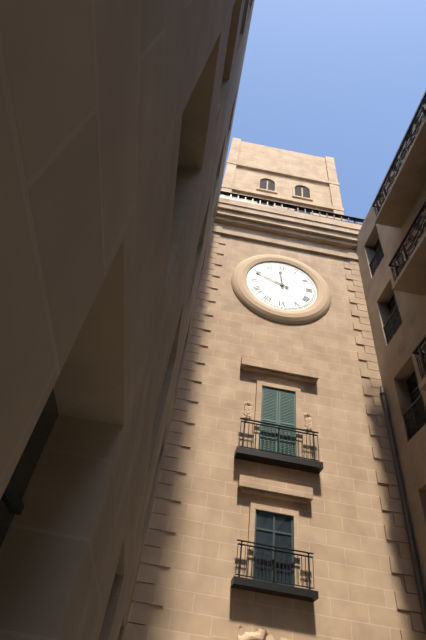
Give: 11:49
